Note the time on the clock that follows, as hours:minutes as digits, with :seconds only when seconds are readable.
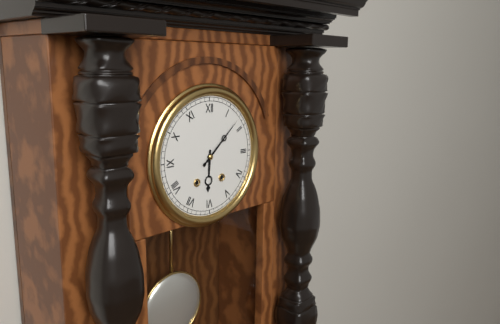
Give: 6:08
